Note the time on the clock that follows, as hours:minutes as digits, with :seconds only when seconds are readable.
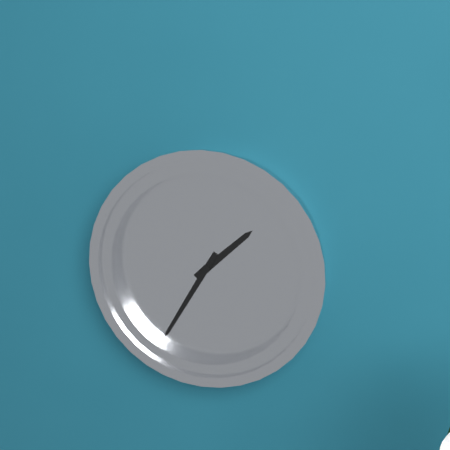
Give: 1:35
